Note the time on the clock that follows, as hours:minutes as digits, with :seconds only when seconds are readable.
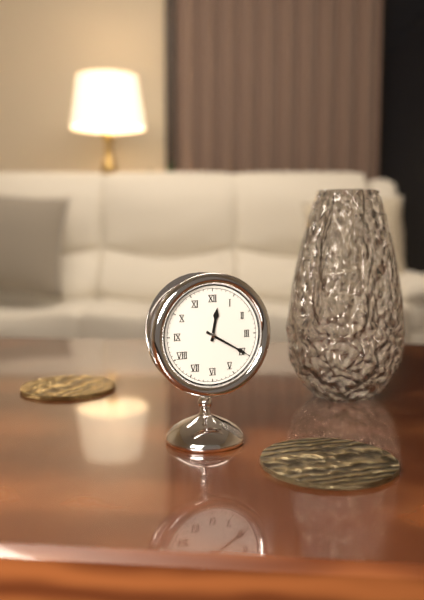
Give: 12:20
